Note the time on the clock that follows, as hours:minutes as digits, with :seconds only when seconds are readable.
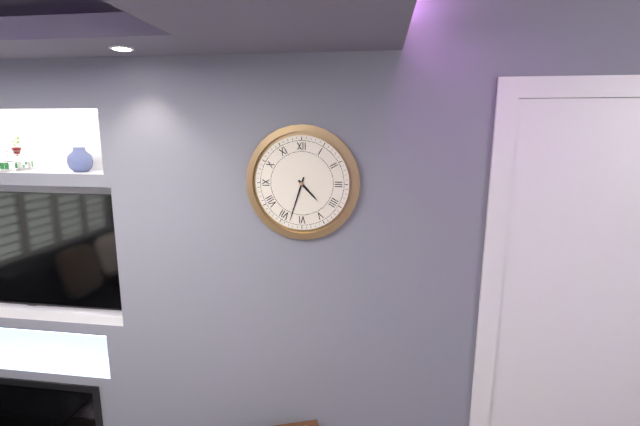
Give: 4:33
